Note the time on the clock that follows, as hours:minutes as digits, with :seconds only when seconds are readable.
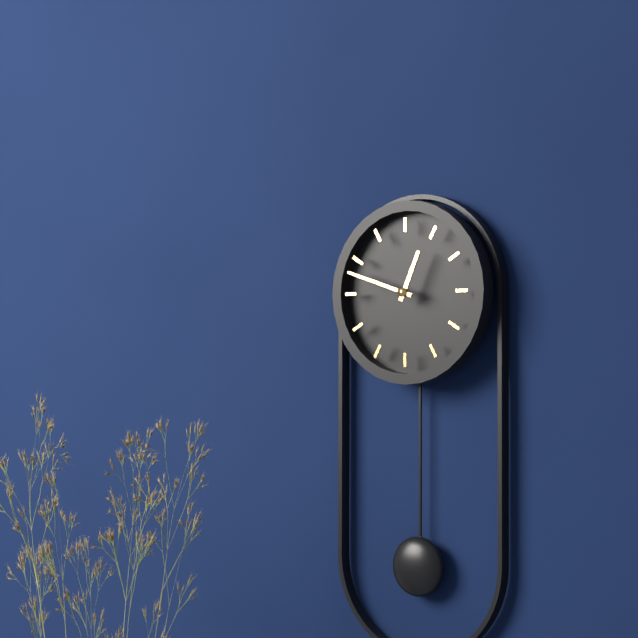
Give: 12:48
